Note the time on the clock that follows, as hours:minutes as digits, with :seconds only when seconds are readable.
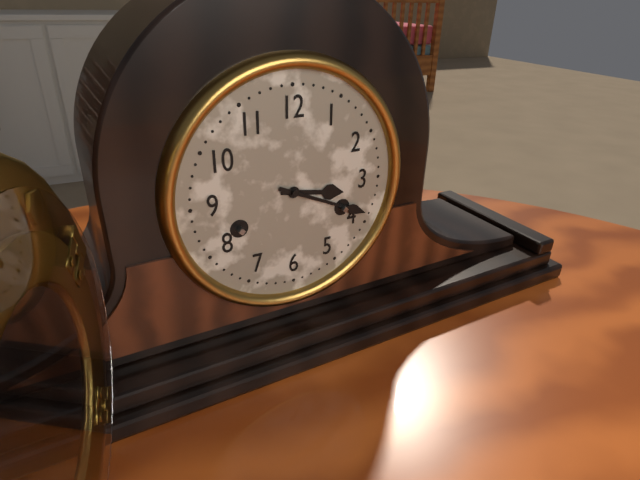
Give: 3:19
